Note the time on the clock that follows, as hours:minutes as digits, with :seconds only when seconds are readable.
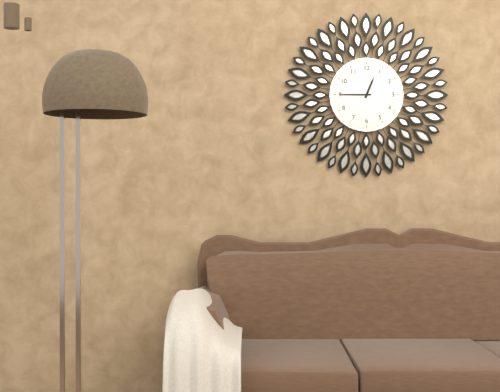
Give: 12:45
